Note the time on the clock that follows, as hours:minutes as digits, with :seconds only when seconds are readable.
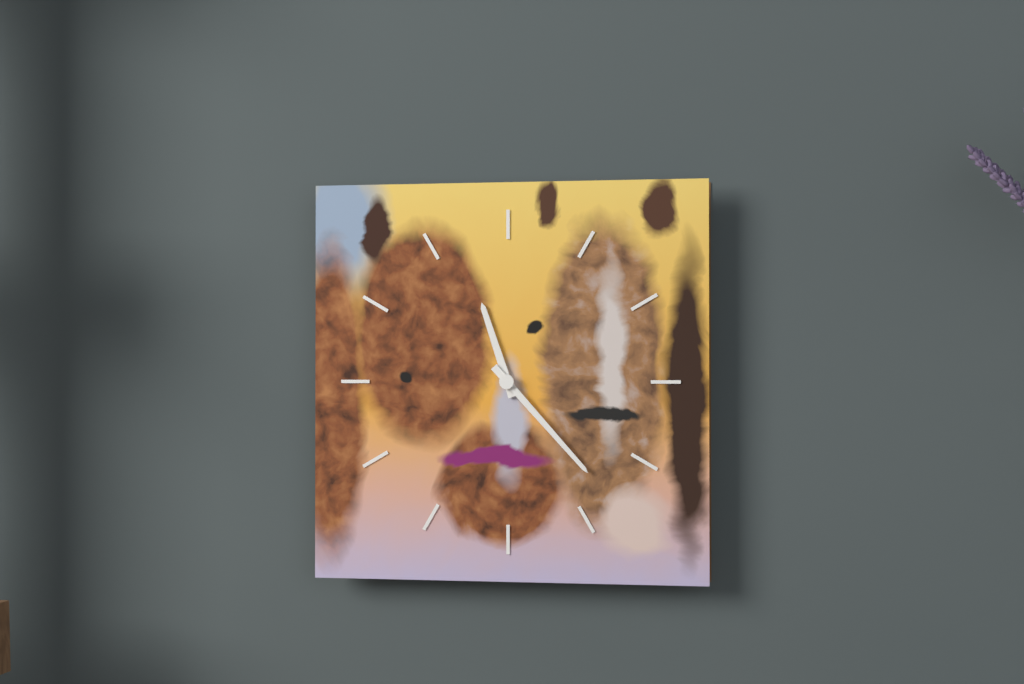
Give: 11:23
